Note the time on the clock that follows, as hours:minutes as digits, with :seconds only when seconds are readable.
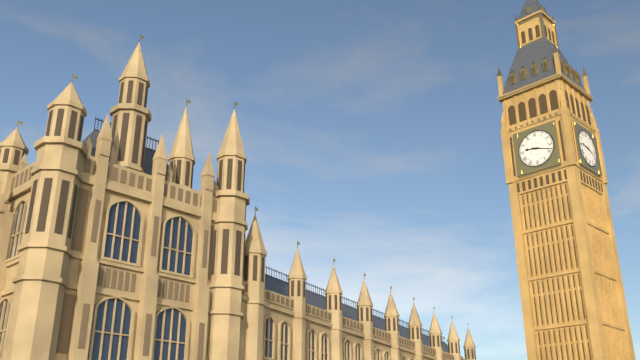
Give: 9:18
